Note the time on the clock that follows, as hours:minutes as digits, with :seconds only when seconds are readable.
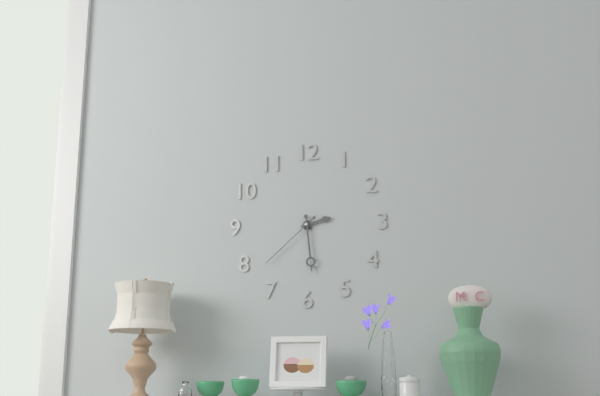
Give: 2:29:38
